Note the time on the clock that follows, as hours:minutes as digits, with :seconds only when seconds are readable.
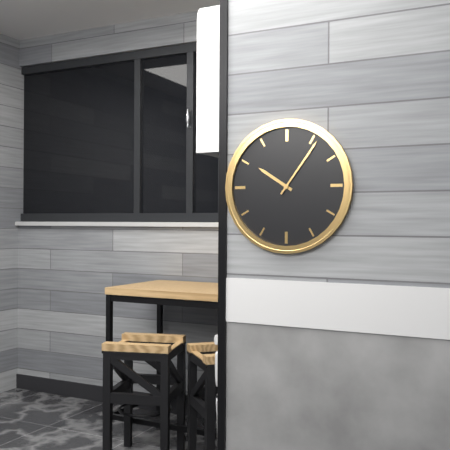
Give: 10:06
